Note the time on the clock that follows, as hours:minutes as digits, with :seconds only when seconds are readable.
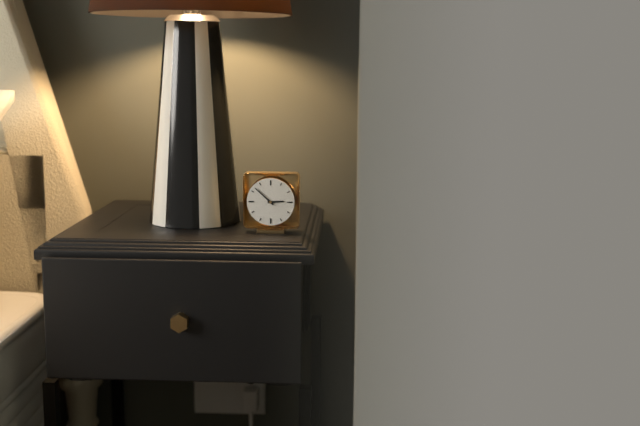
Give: 2:52
